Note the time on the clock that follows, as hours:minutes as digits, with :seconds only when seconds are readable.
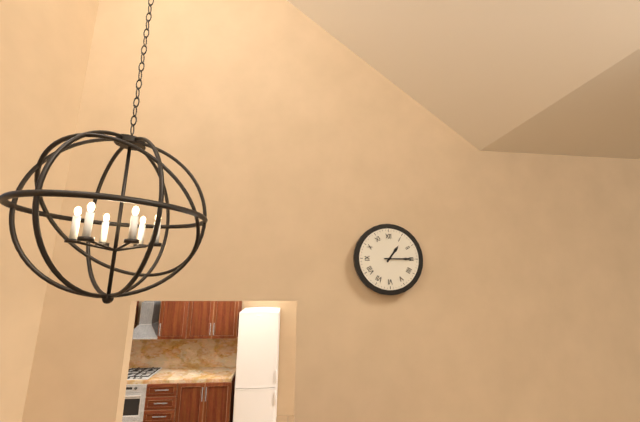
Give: 1:15
